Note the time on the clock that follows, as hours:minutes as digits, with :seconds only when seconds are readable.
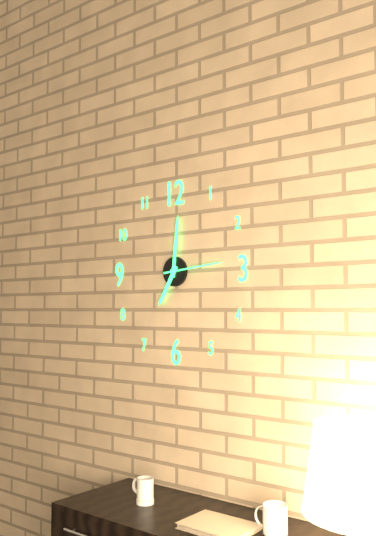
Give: 7:01:14
